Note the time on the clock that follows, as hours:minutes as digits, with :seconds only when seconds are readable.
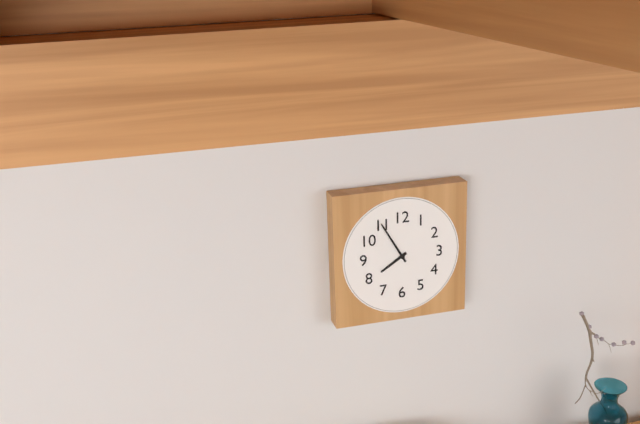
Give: 7:55
